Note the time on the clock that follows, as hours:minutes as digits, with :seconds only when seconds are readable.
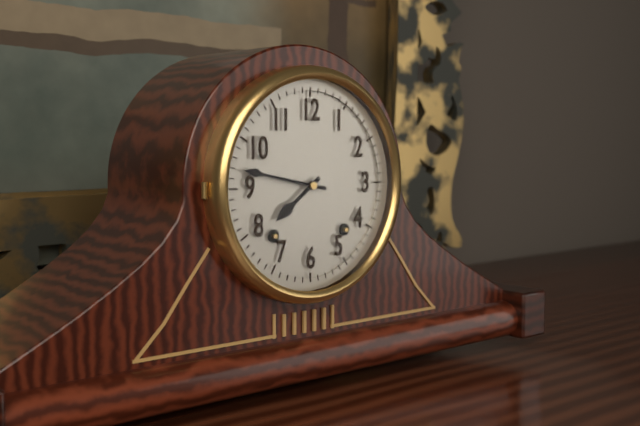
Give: 7:47
